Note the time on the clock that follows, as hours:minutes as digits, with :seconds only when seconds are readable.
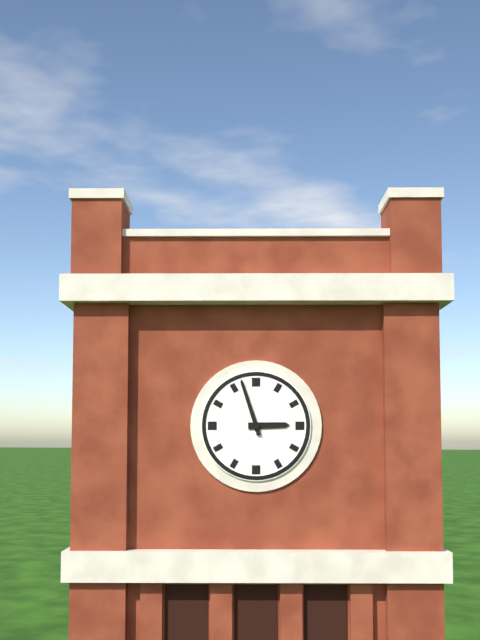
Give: 2:57
